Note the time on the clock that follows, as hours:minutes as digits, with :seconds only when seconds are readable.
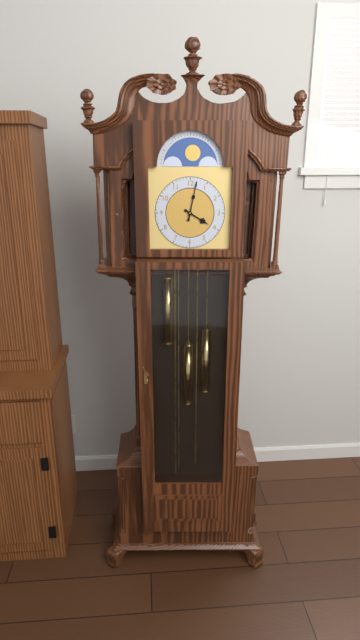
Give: 4:02
